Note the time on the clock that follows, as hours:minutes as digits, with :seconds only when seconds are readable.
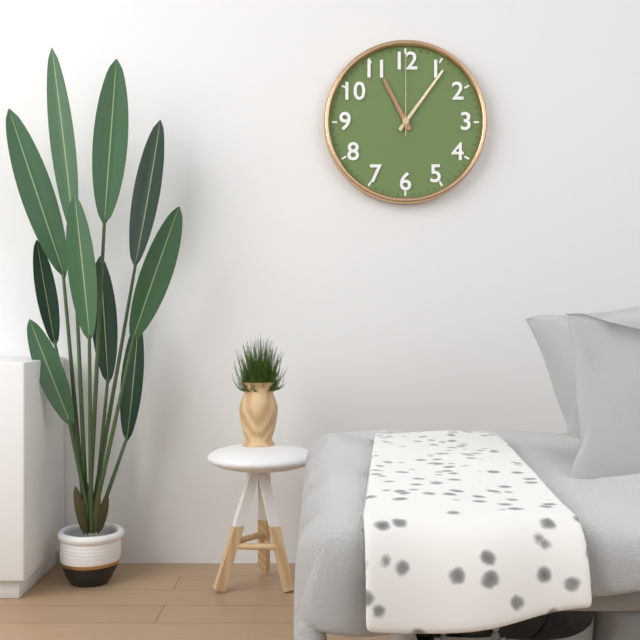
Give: 11:06:00
